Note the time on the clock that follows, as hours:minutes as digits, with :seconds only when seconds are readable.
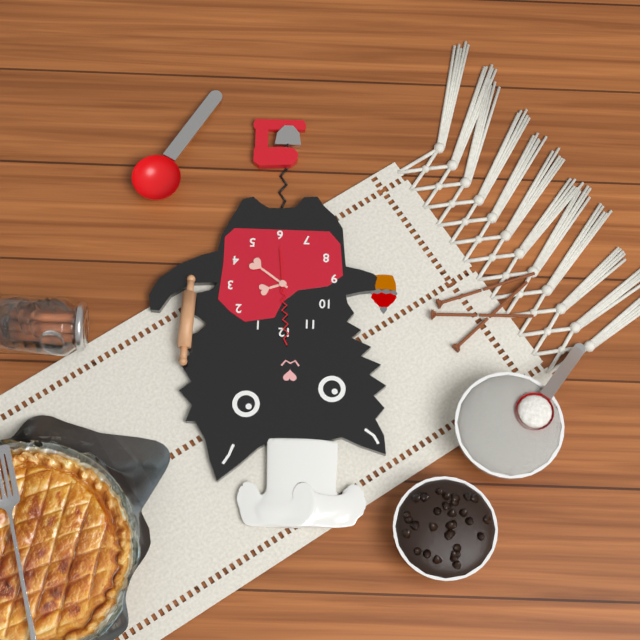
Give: 2:21:59
